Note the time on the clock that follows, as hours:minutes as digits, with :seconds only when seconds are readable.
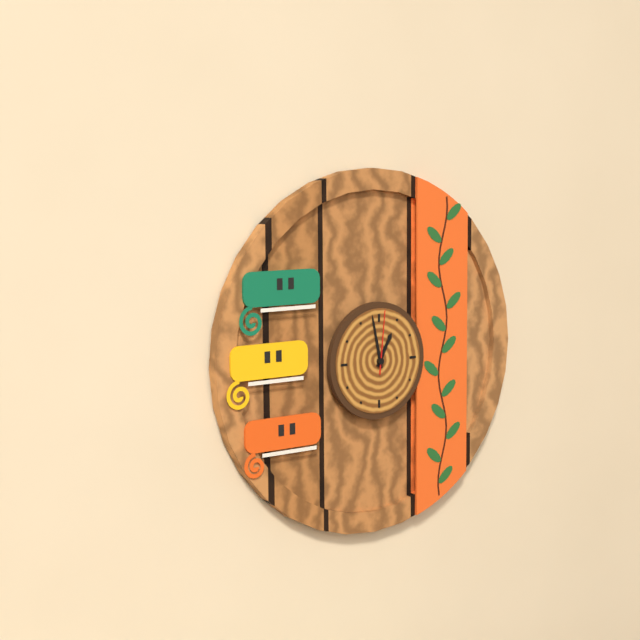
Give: 12:58:01
